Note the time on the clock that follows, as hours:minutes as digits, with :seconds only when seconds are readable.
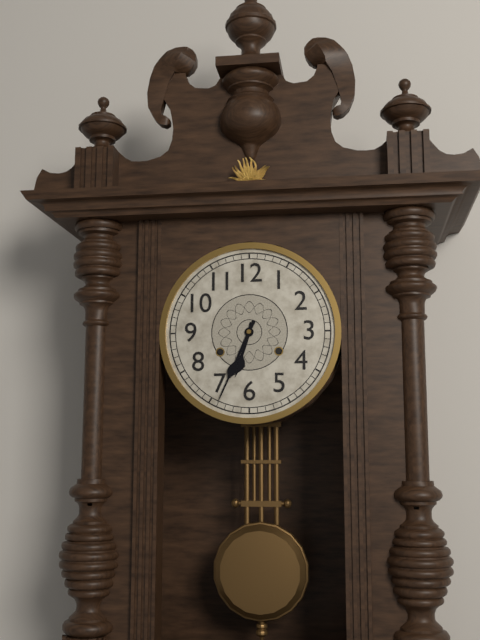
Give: 6:34
